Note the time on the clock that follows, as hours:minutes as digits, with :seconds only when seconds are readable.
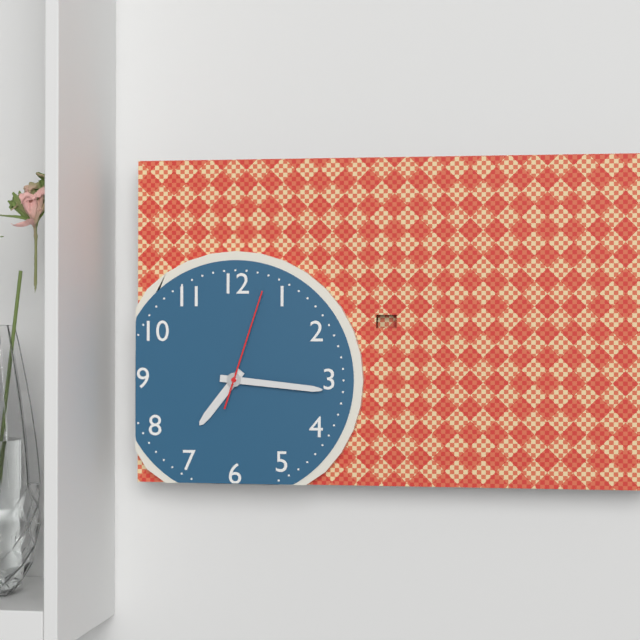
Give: 7:16:03
